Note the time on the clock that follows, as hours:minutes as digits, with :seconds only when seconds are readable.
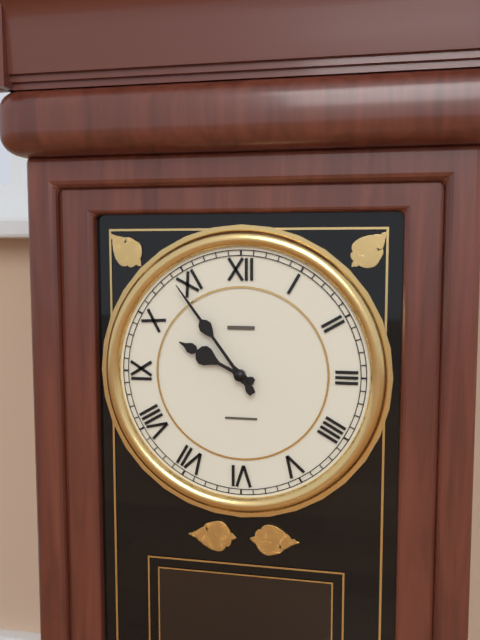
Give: 9:54
